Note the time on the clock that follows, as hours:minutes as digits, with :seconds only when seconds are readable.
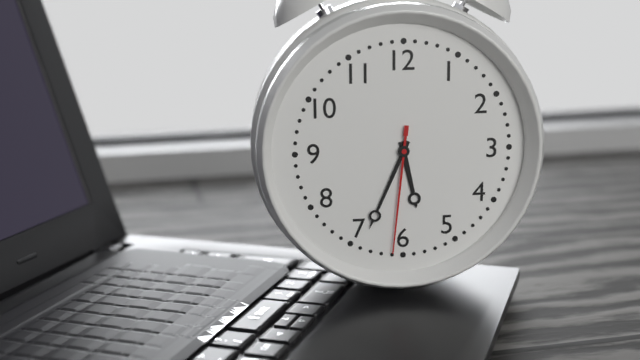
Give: 5:34:31
